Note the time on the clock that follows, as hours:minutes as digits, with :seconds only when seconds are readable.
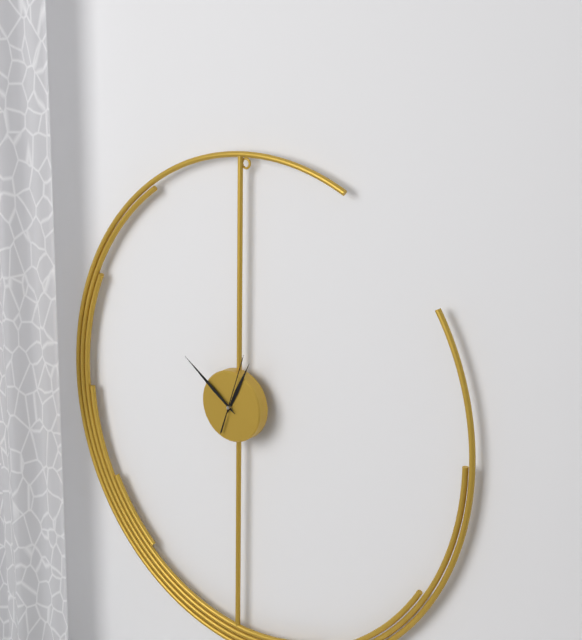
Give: 12:51:03
